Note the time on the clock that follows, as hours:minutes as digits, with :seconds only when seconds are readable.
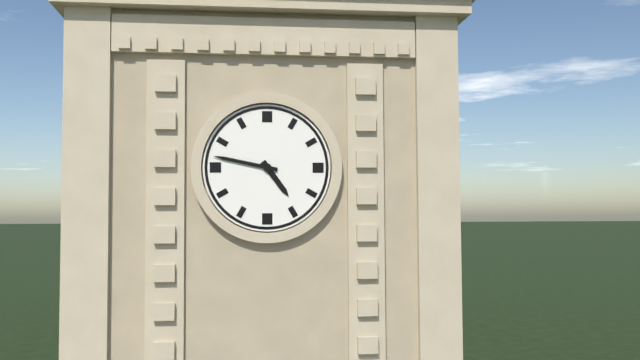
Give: 4:47
